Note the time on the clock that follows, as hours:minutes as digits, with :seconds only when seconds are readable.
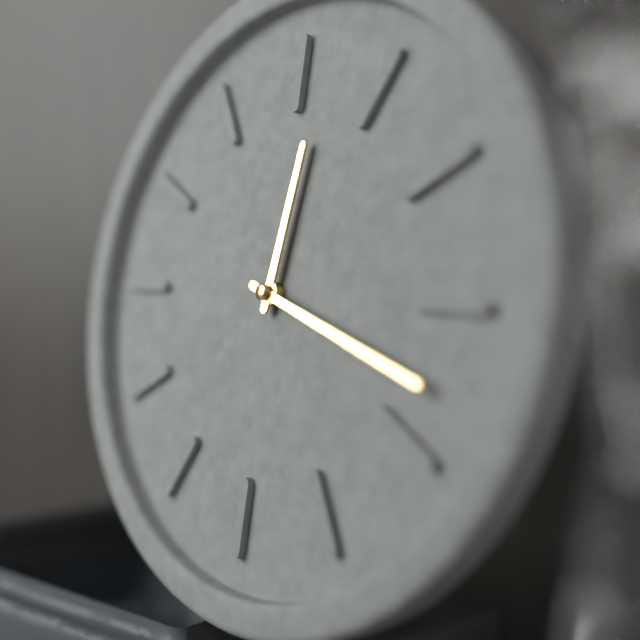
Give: 12:18
